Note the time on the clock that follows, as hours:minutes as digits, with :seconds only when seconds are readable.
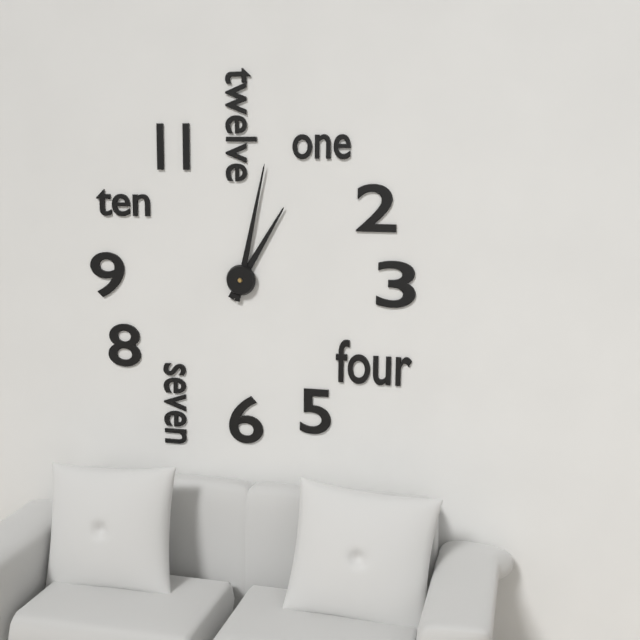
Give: 1:02
